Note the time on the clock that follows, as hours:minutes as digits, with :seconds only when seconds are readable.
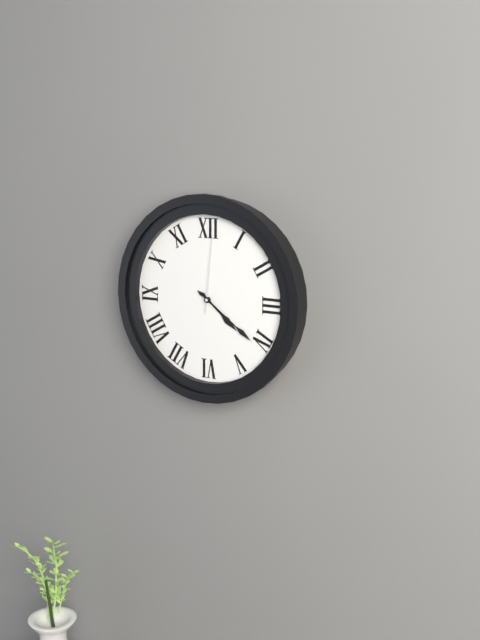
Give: 4:21:01
